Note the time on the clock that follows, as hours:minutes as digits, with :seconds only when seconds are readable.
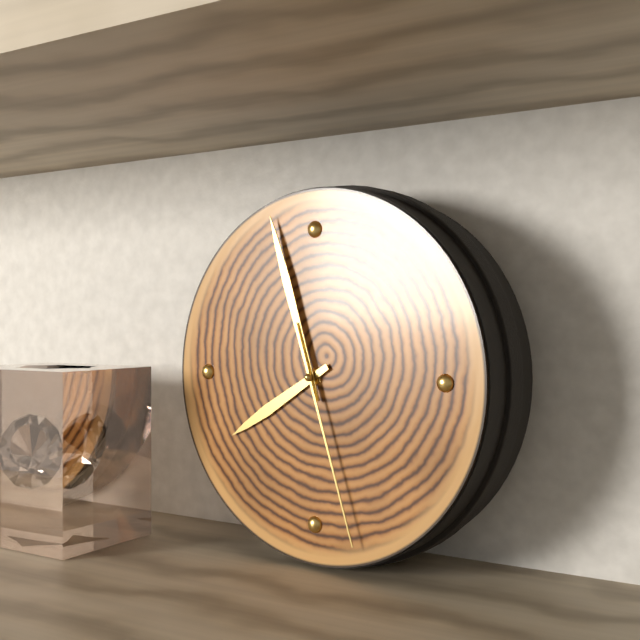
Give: 7:57:27
